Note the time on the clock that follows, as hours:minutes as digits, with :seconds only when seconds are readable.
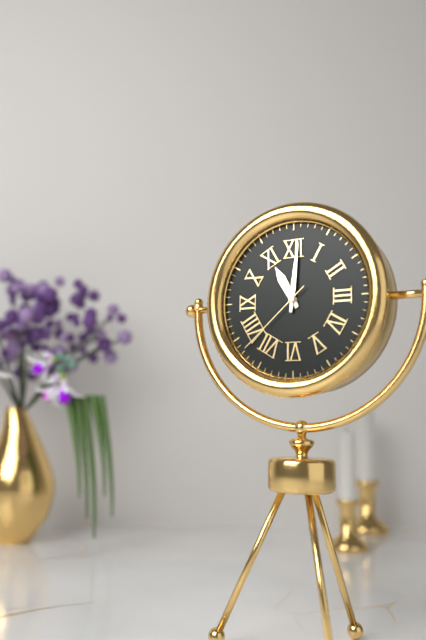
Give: 11:01:38
